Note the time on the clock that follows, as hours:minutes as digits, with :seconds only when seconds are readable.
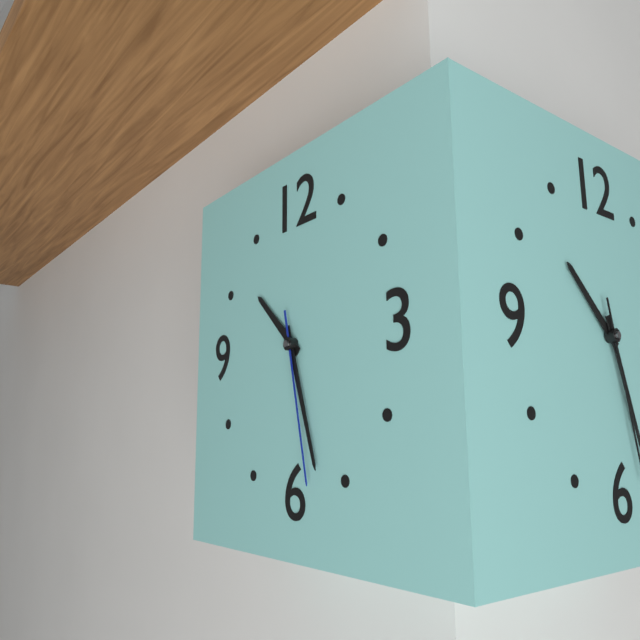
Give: 10:27:28
